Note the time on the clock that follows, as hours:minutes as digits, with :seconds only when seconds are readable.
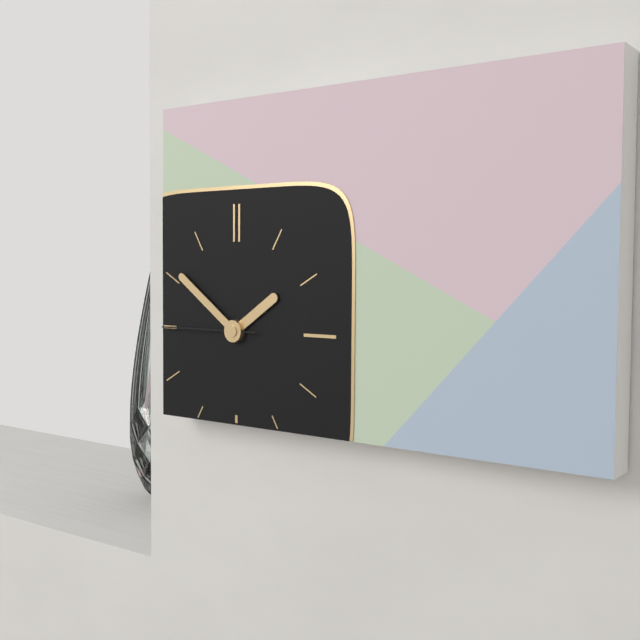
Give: 1:51:45
